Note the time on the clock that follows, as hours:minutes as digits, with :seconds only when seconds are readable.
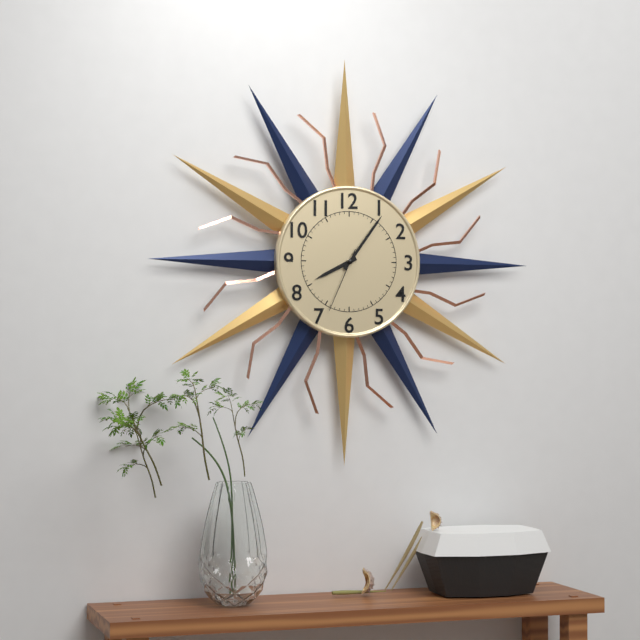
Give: 8:06:34
